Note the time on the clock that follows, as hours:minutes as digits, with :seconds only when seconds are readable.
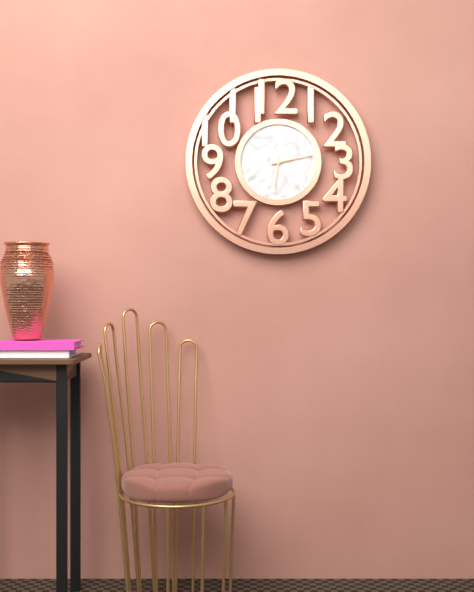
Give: 6:13
